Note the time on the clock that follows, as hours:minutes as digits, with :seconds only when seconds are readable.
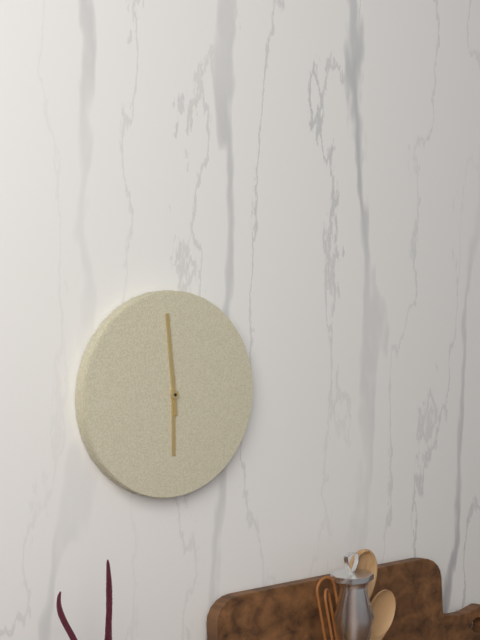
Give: 5:59
